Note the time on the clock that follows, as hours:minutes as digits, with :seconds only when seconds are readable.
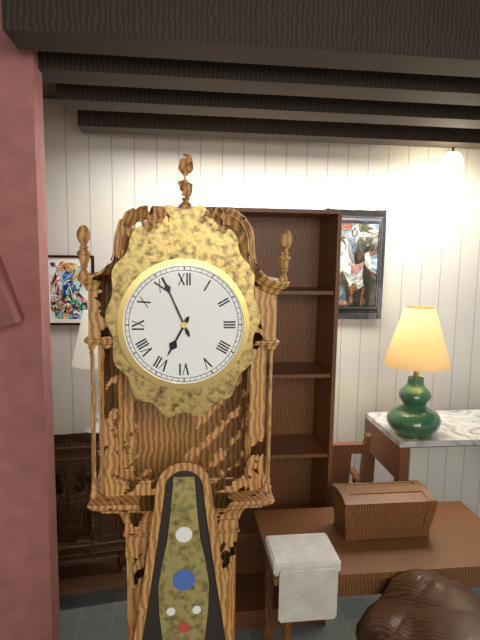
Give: 6:56
